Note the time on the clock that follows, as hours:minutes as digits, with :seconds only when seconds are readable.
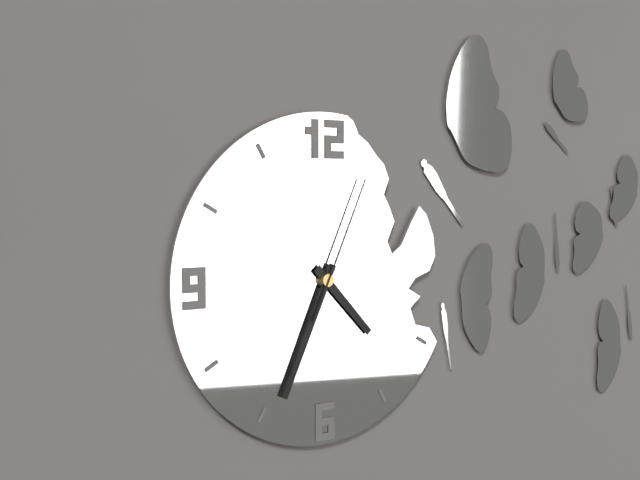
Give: 4:34:04
